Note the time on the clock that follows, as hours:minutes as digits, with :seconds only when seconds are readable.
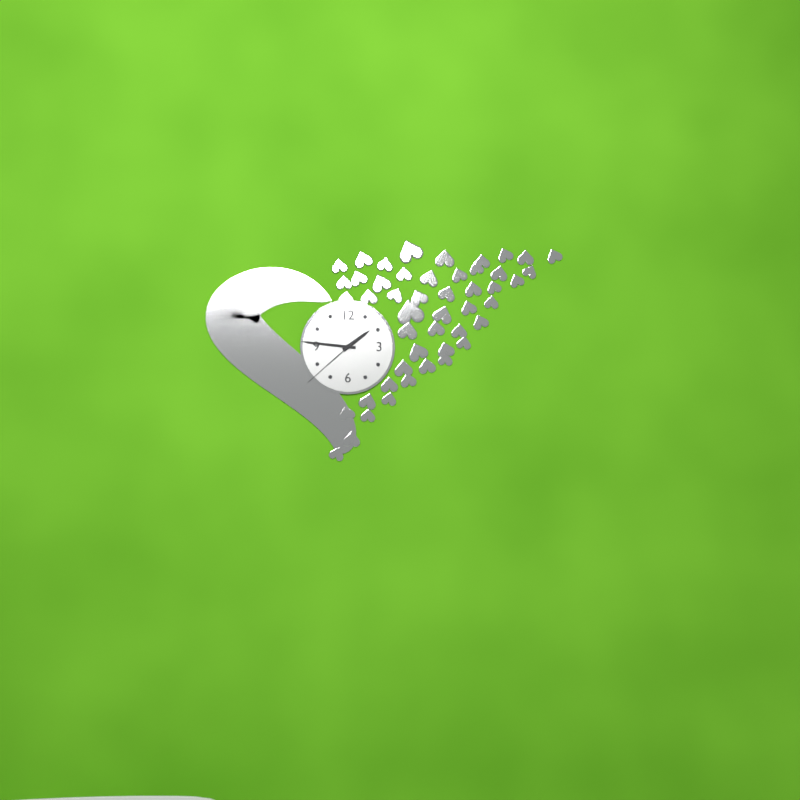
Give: 1:46:38
